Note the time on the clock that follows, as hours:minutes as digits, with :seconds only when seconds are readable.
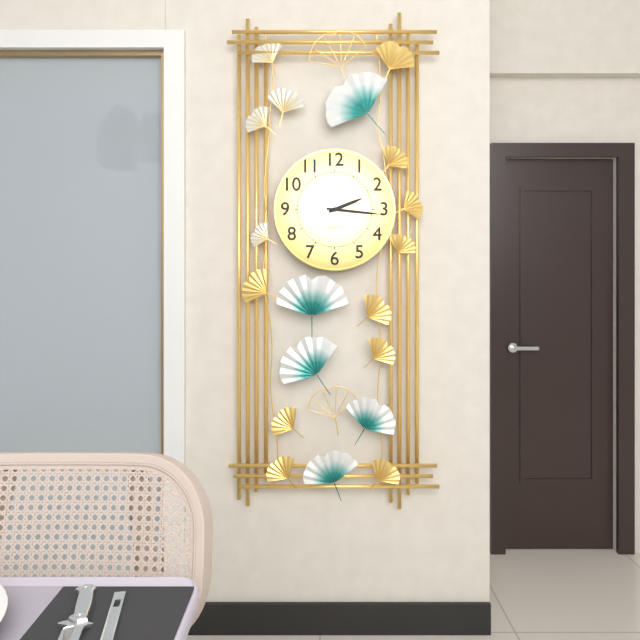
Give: 2:16
